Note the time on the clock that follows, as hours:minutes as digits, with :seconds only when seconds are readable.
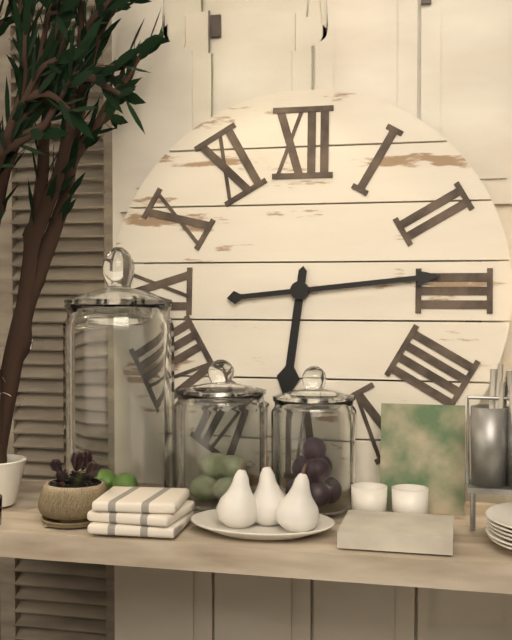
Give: 6:14
